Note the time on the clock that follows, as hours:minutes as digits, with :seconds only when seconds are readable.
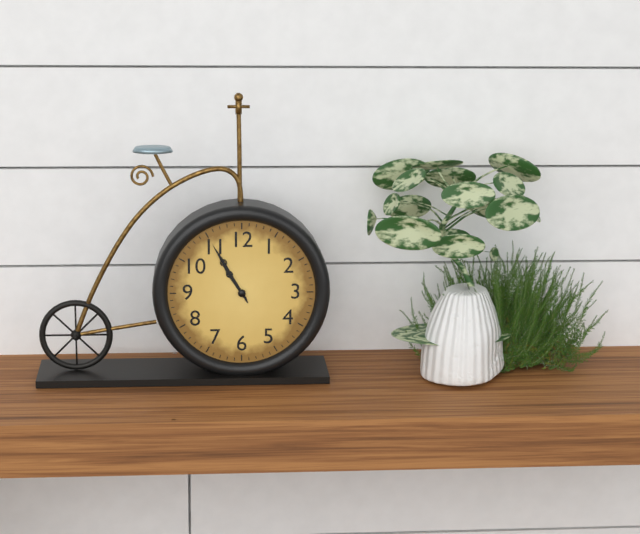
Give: 10:55
